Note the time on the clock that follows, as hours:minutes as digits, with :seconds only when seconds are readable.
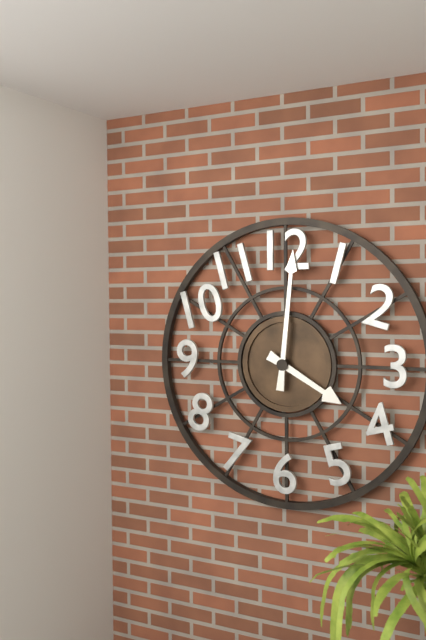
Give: 4:01
